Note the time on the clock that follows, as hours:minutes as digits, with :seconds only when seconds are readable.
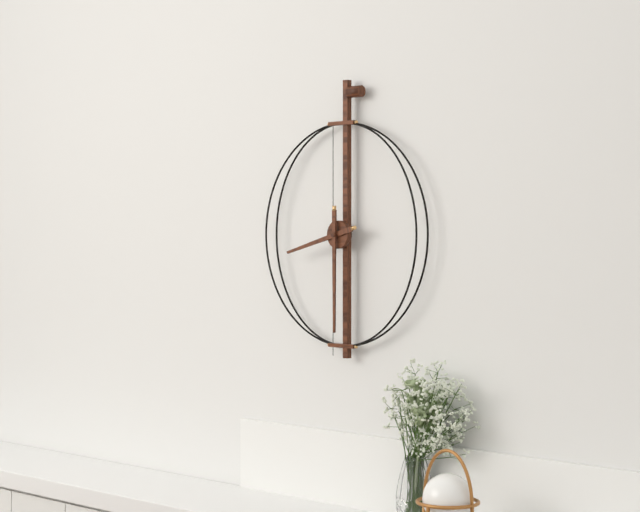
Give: 8:30
